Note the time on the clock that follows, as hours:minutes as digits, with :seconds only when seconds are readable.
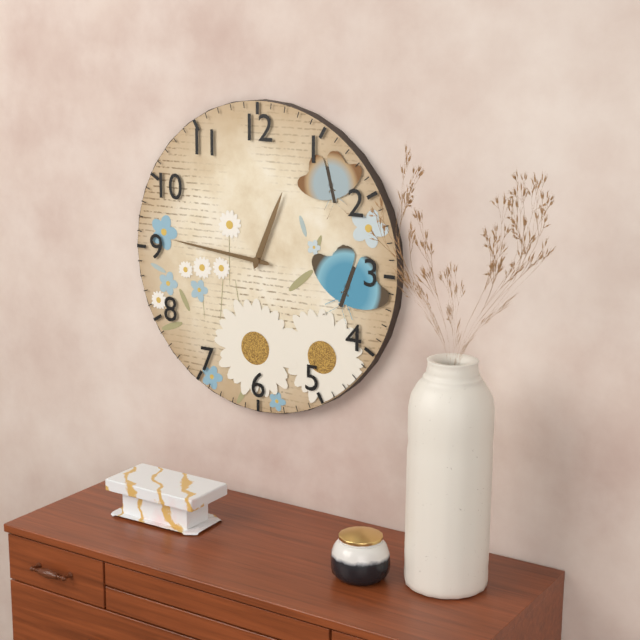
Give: 12:46
